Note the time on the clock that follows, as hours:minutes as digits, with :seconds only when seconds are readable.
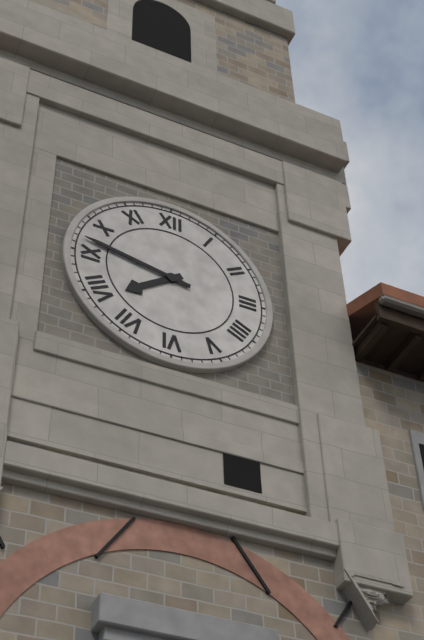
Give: 7:47
